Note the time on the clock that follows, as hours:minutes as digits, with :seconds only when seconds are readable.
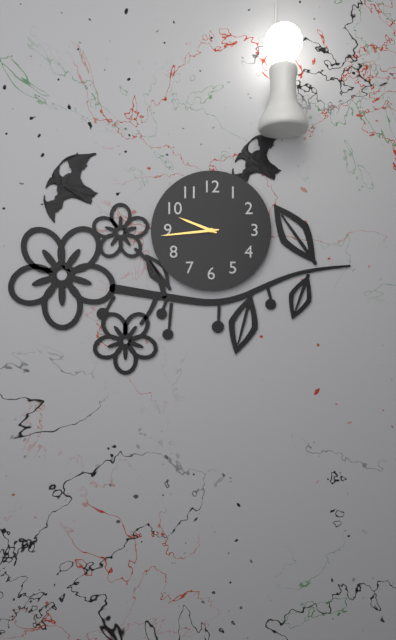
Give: 9:44
